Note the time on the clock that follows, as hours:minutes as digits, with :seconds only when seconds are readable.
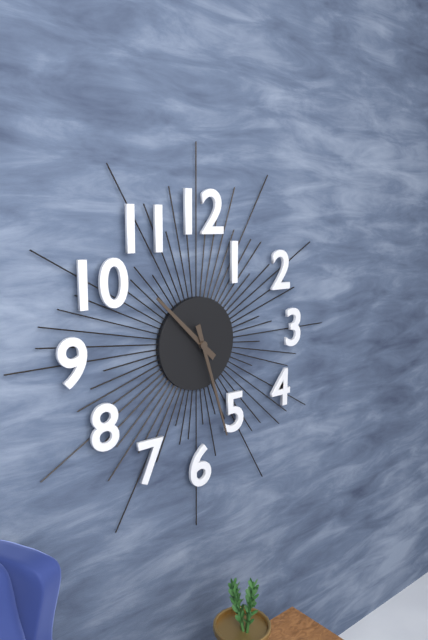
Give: 10:27
